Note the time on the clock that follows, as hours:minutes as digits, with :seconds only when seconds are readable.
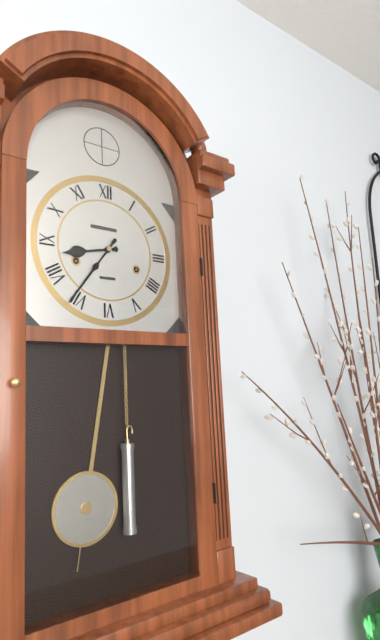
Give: 8:36
